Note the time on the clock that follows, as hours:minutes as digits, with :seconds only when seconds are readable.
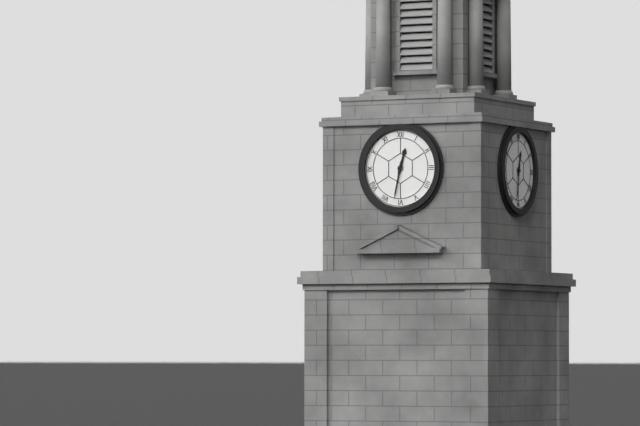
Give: 12:32
